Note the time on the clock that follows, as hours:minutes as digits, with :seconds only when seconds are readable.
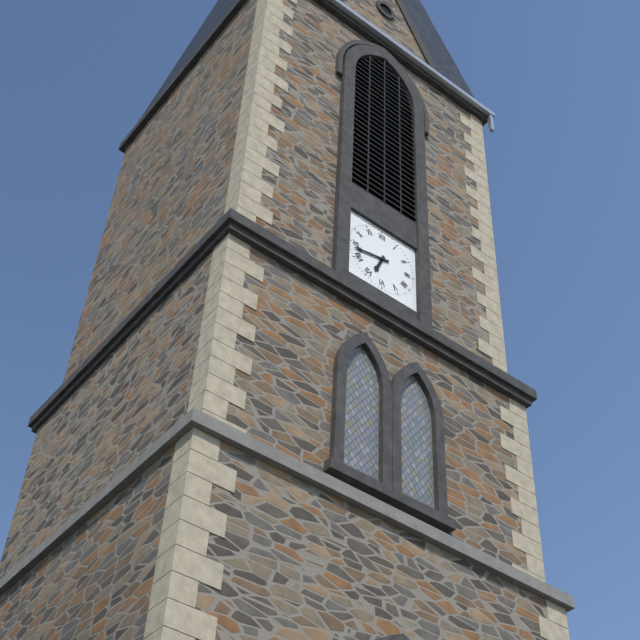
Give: 6:43
